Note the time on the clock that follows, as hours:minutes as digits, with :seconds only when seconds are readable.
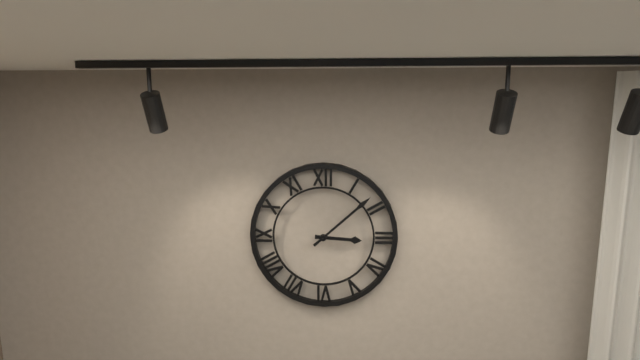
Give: 3:08
